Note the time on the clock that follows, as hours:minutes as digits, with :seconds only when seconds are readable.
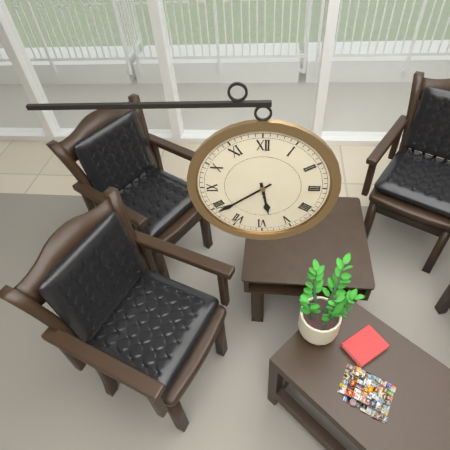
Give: 5:39
